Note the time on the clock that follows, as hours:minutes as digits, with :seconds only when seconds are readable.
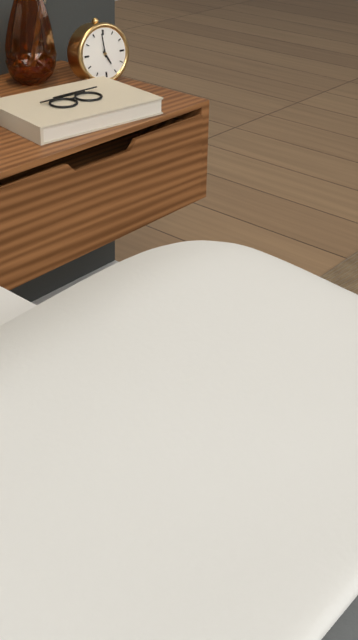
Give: 4:59
